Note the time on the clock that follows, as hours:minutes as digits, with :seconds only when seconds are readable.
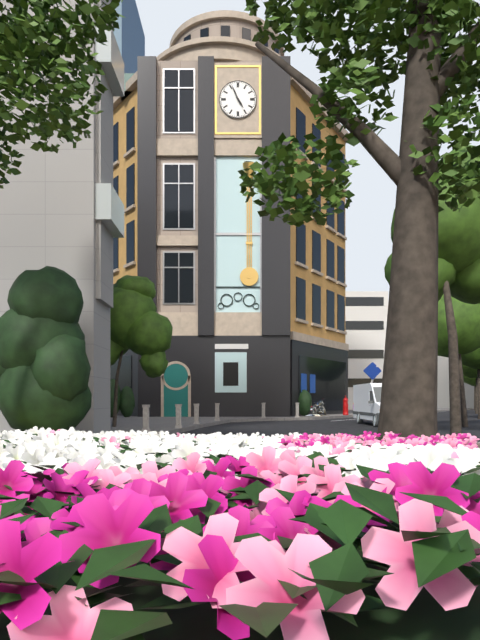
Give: 4:56
